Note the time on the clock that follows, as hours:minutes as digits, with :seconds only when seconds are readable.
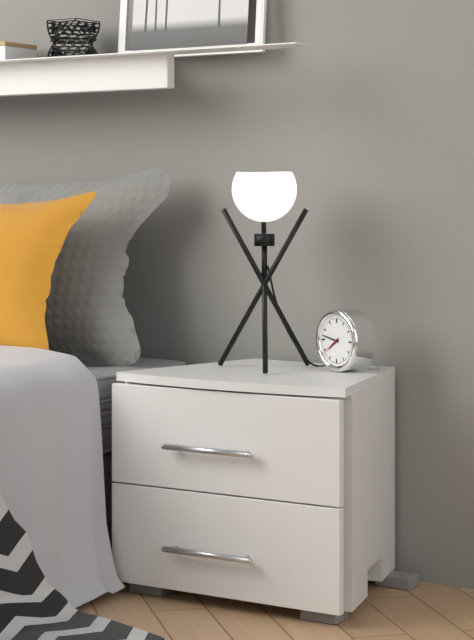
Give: 7:47
